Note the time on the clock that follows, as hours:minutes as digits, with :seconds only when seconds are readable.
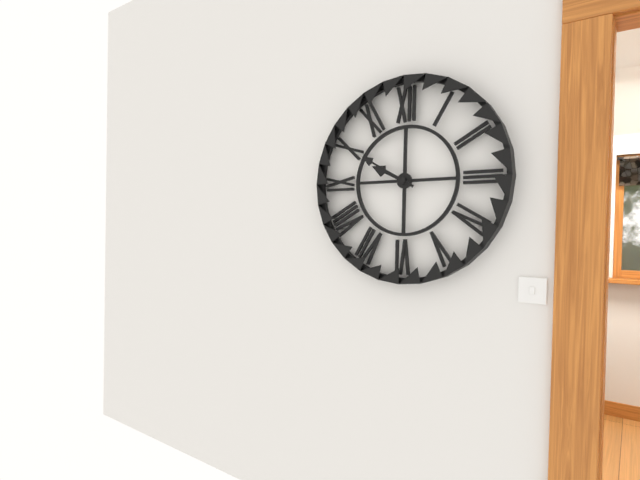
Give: 9:50
